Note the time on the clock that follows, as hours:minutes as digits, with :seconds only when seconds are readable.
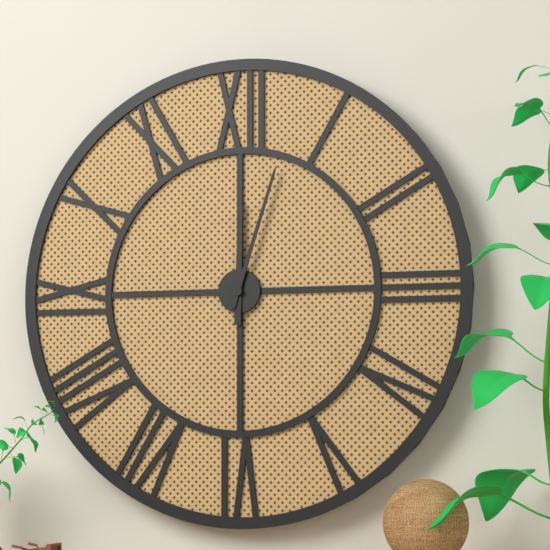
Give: 12:03
